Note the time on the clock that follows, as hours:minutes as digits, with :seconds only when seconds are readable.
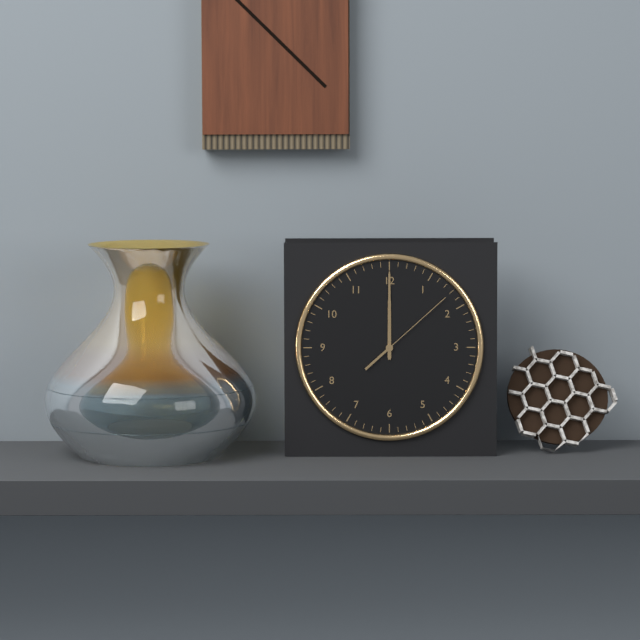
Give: 12:00:08
